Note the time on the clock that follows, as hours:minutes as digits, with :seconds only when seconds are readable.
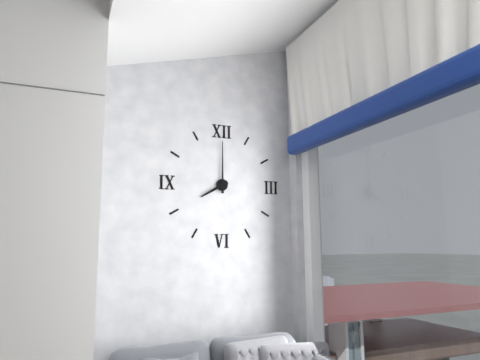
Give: 8:00
